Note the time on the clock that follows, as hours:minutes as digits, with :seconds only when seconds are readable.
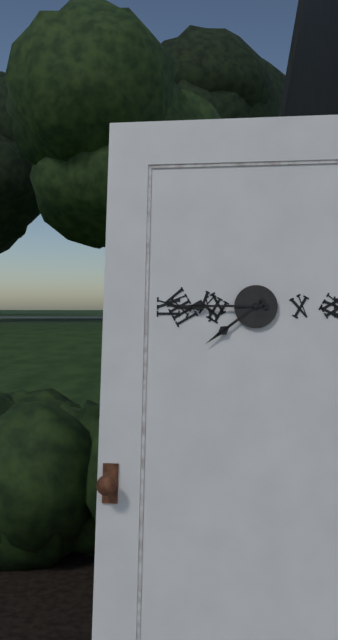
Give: 7:45
